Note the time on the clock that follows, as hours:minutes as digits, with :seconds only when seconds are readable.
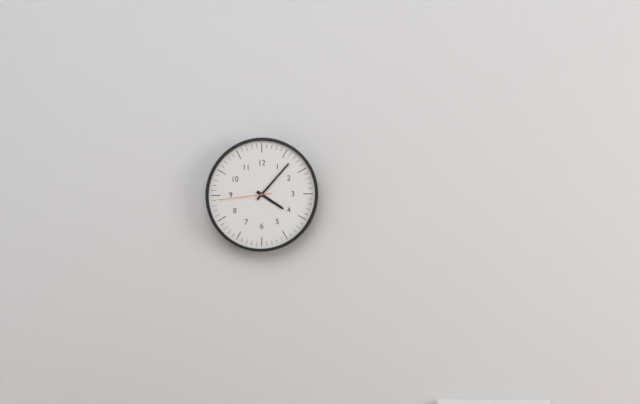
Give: 4:07:44
